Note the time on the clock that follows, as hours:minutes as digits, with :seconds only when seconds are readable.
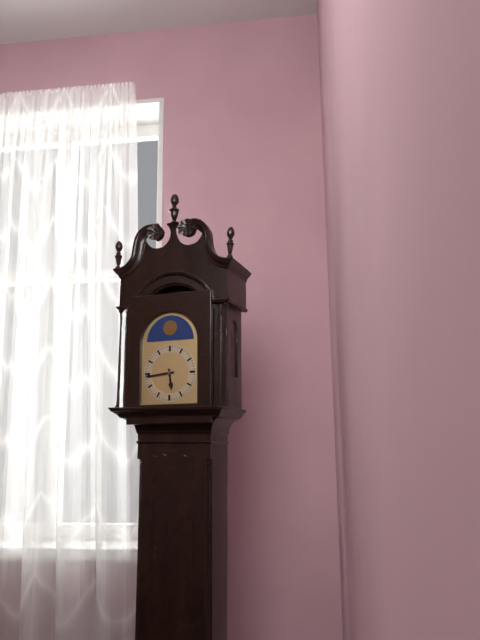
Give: 5:44
